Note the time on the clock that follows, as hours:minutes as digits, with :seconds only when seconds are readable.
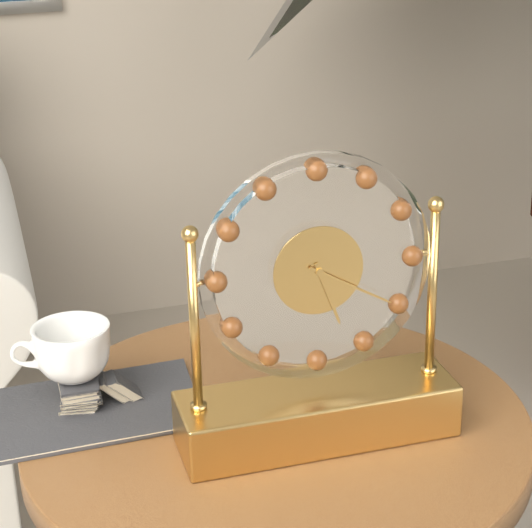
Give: 5:20
